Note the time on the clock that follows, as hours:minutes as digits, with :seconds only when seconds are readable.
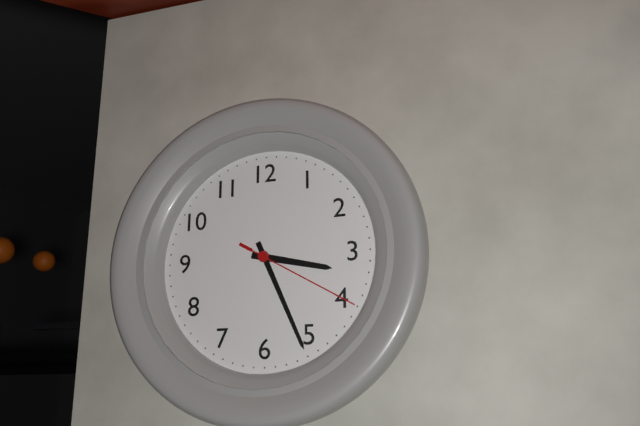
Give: 3:26:20
